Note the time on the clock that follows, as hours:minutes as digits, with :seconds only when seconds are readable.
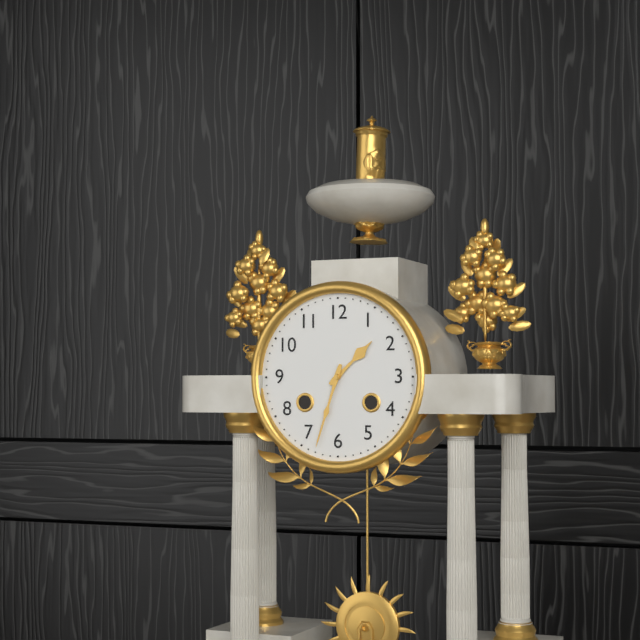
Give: 1:33
